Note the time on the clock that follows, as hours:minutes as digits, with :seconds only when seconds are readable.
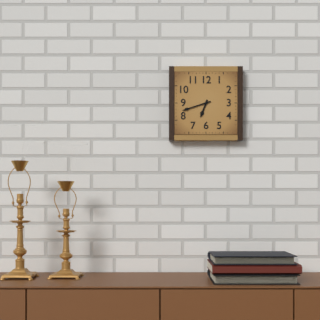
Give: 6:42
